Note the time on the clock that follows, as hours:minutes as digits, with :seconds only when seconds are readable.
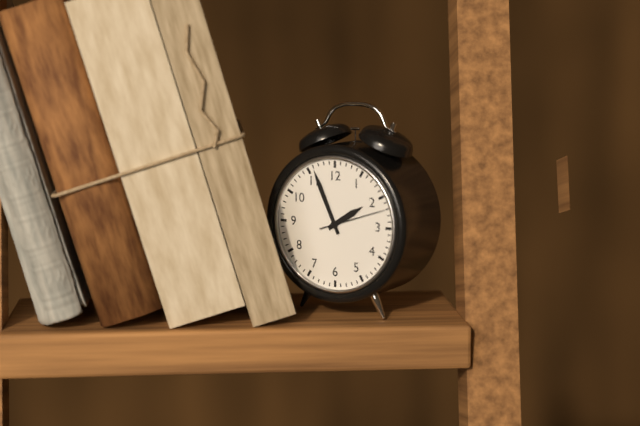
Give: 1:56
